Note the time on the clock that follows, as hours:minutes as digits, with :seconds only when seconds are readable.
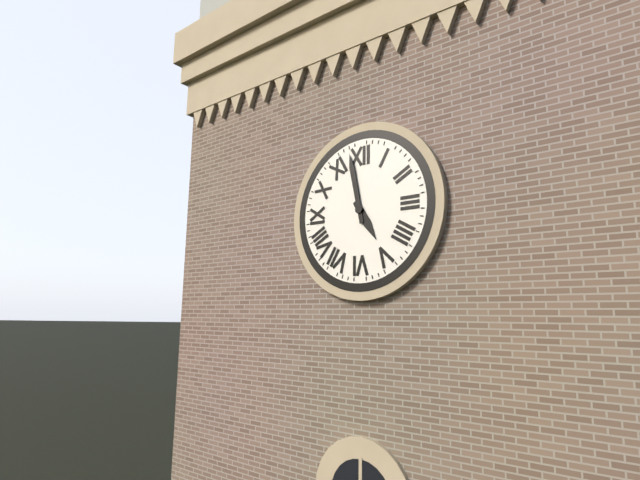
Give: 4:58
